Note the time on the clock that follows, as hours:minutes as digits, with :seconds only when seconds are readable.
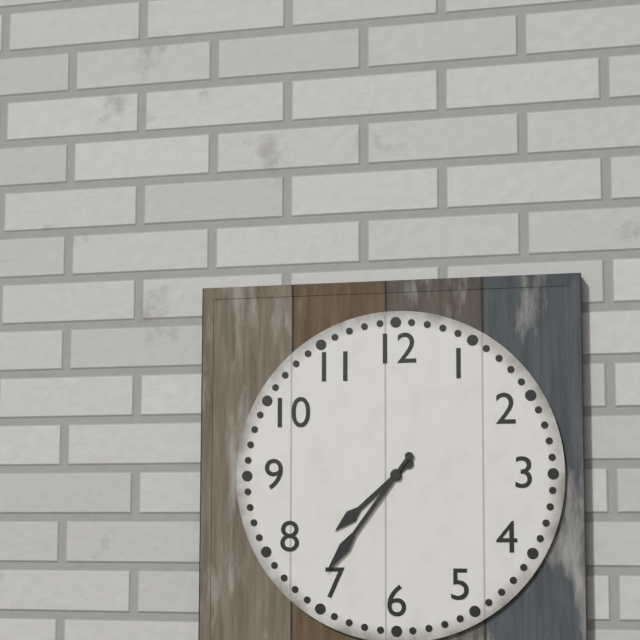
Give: 7:36
